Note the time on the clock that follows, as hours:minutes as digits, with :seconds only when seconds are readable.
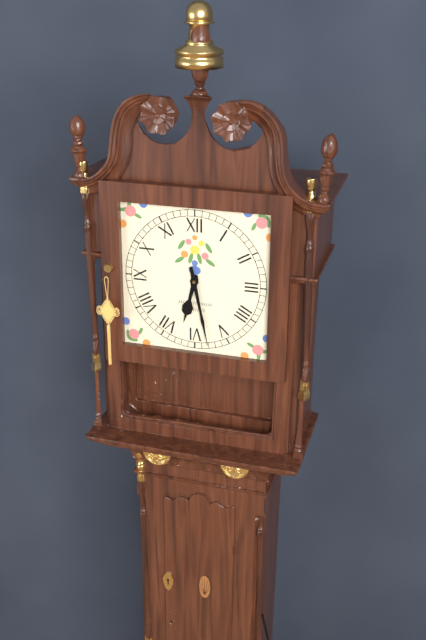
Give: 6:28
